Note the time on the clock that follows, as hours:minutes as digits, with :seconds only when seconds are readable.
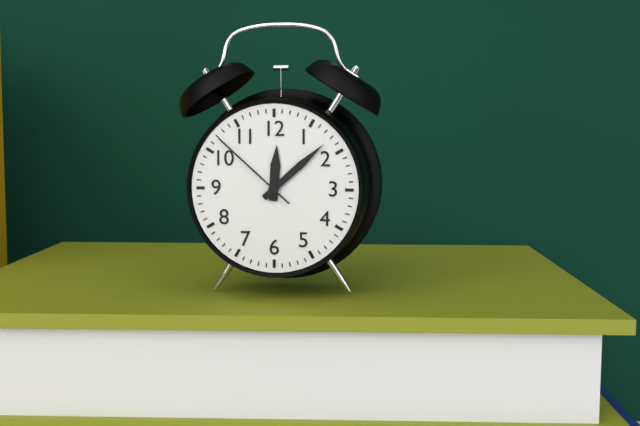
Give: 12:08:52
